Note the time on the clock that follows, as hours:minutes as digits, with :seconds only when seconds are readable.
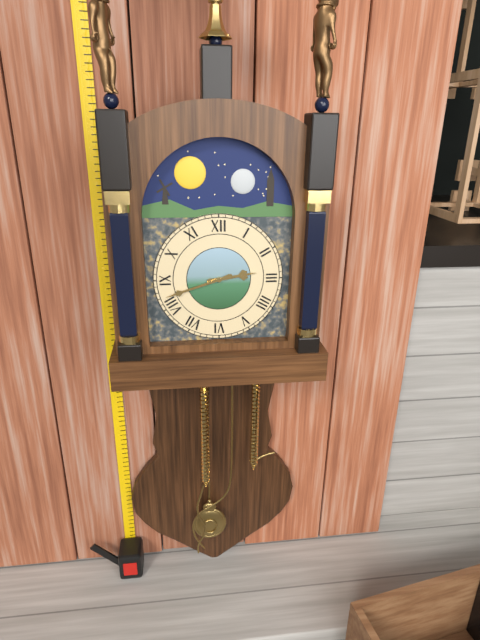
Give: 2:42
